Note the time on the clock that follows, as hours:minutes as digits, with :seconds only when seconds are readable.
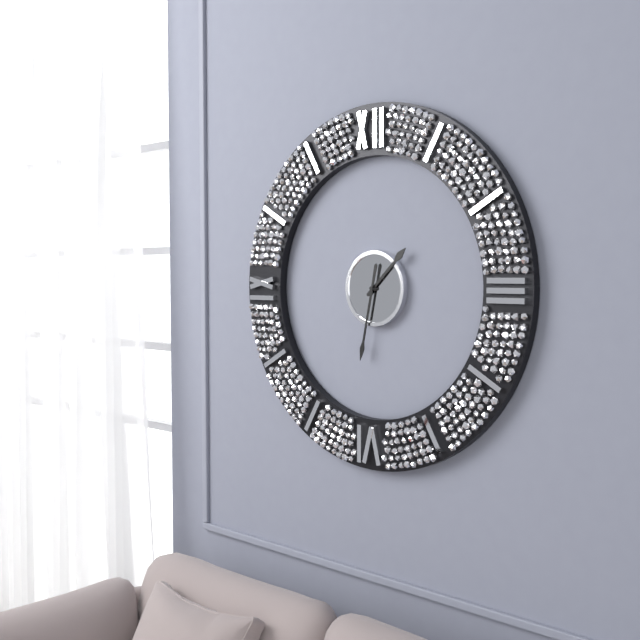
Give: 1:32
